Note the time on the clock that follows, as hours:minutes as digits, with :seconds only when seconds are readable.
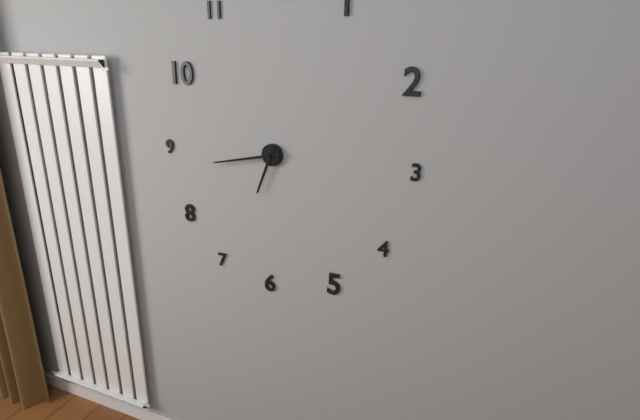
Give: 6:43
